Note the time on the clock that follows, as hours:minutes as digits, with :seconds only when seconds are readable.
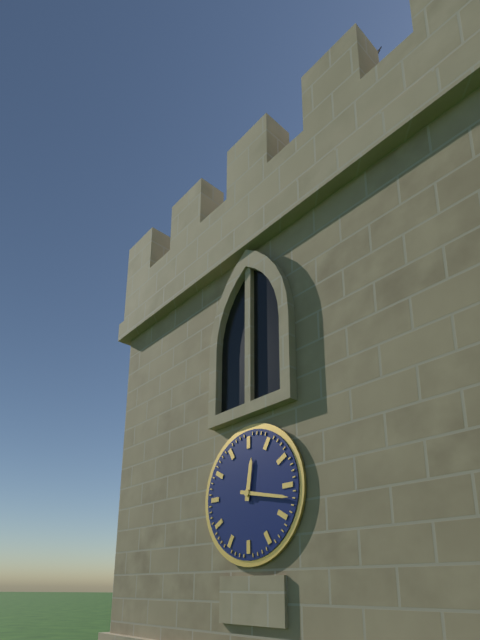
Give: 12:17
